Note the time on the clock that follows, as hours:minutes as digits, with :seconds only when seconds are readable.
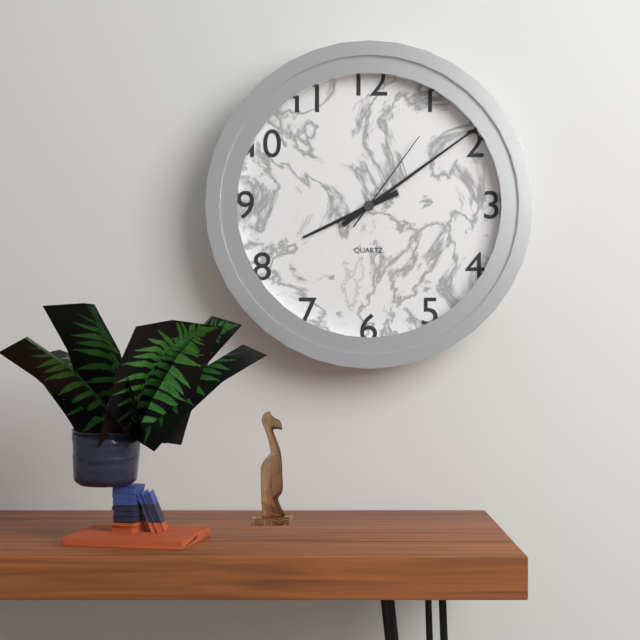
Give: 8:09:06
